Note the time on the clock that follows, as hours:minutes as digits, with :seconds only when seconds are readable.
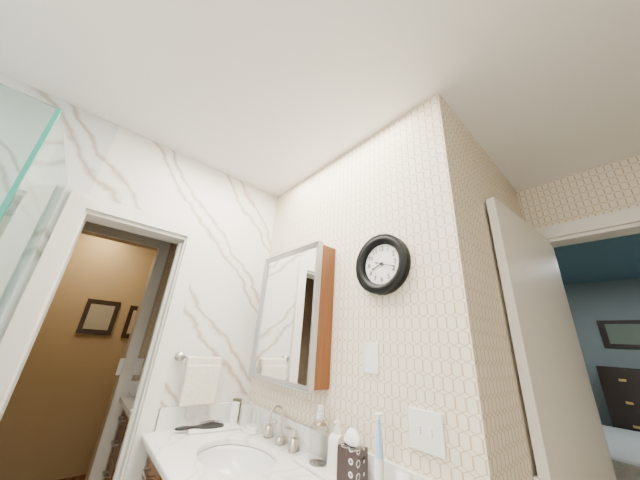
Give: 8:18
